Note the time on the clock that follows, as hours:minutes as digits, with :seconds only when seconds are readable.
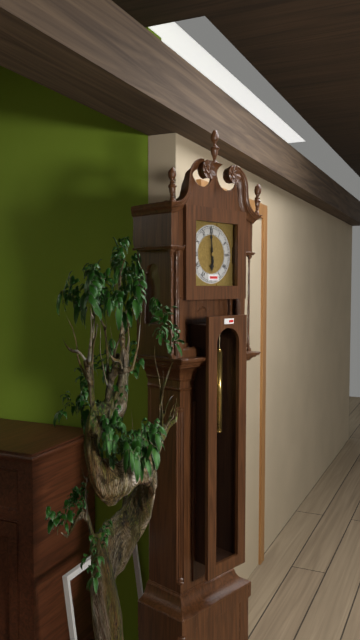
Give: 5:59
